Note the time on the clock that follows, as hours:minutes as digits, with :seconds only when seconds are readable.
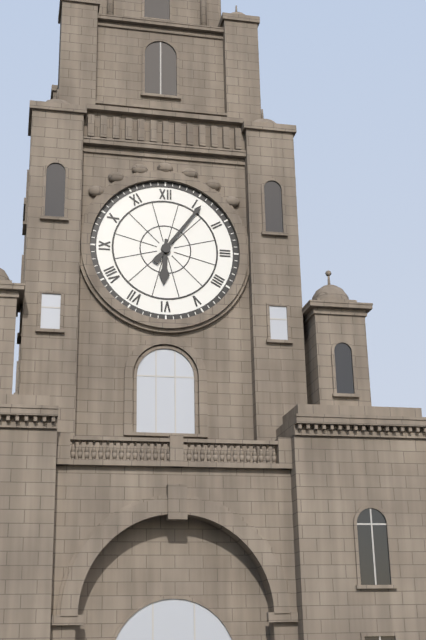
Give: 6:06
